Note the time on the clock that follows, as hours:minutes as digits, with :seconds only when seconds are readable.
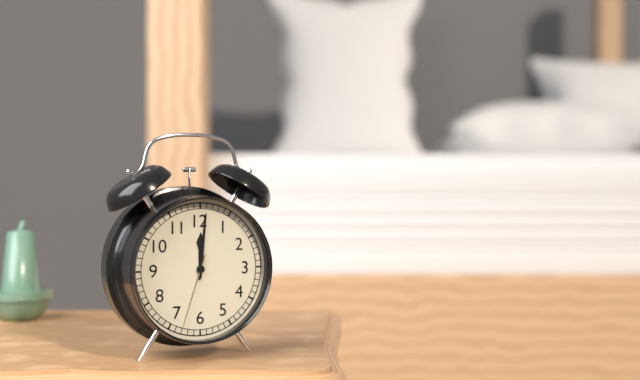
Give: 12:01:33
